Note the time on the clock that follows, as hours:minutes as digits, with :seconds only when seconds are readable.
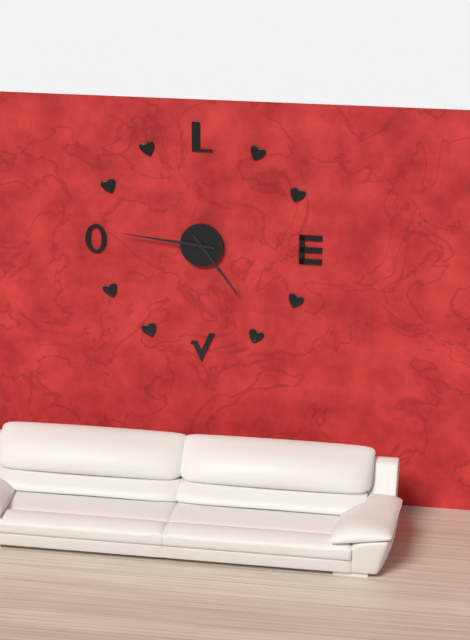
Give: 4:46
